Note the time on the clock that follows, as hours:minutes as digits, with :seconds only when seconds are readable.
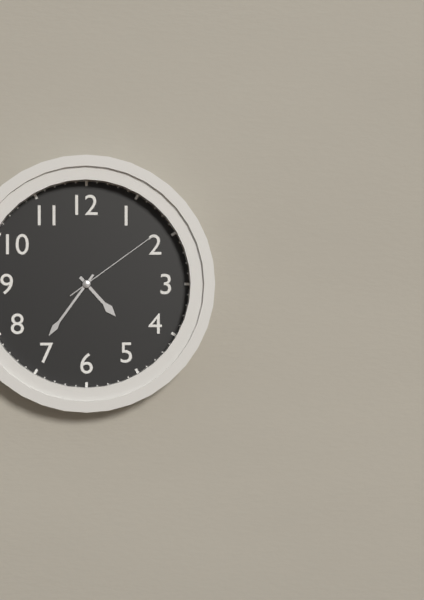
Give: 4:36:09
